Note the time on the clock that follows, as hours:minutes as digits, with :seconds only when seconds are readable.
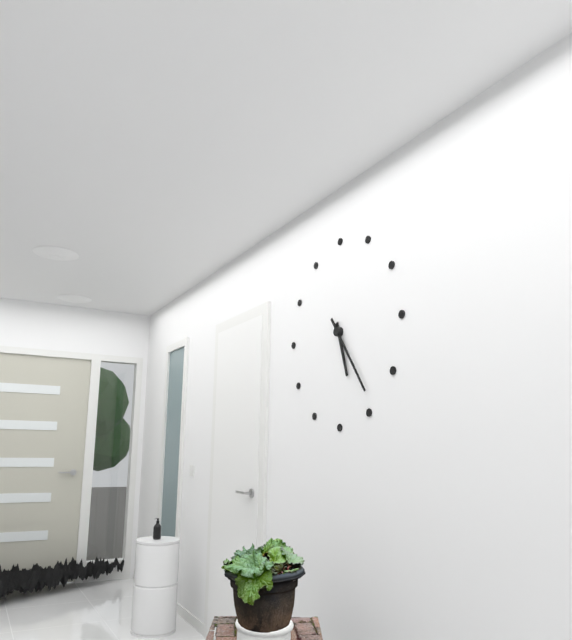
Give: 5:24
